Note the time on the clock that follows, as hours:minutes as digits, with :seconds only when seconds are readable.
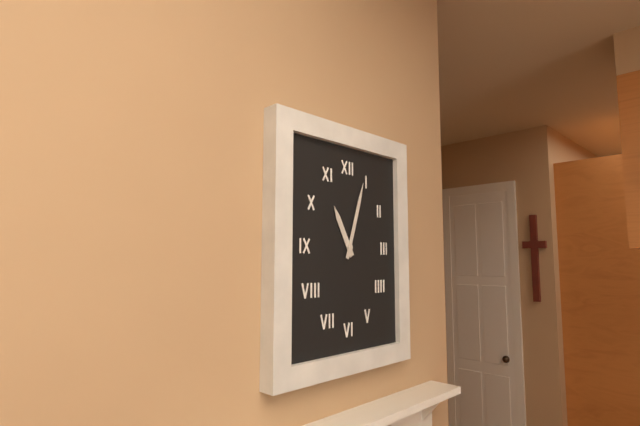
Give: 11:03
